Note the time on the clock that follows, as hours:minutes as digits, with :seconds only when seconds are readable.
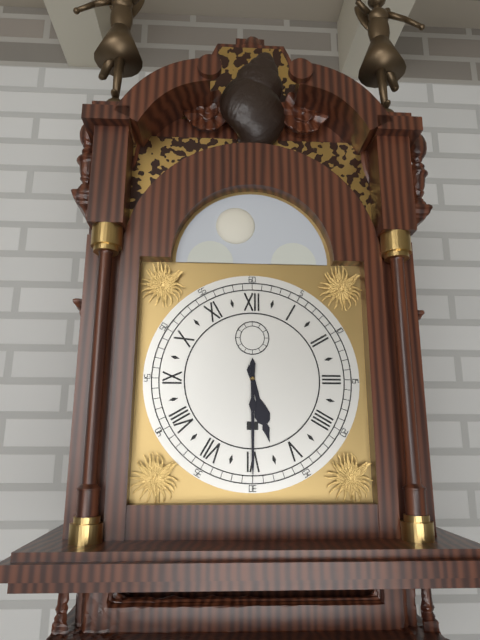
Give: 5:30
